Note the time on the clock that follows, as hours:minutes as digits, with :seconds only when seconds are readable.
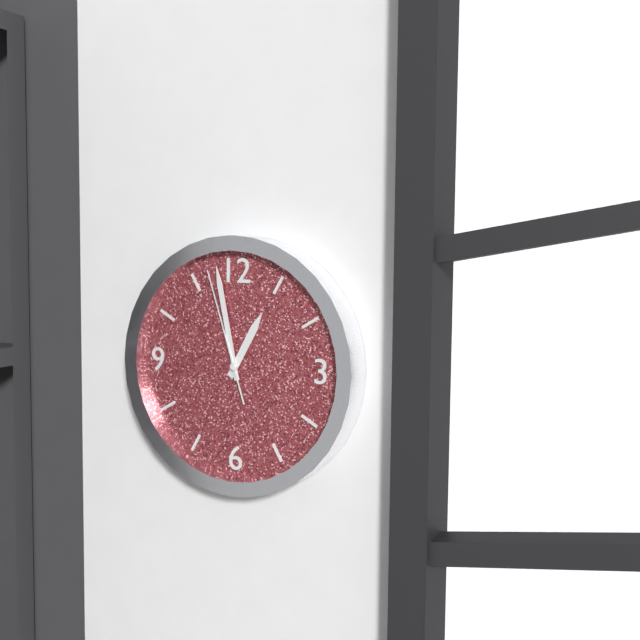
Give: 12:58:57
